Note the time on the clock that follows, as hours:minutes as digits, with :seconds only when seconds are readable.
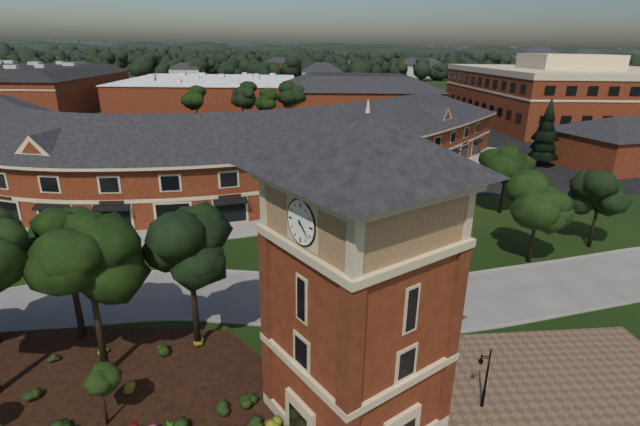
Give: 4:22
